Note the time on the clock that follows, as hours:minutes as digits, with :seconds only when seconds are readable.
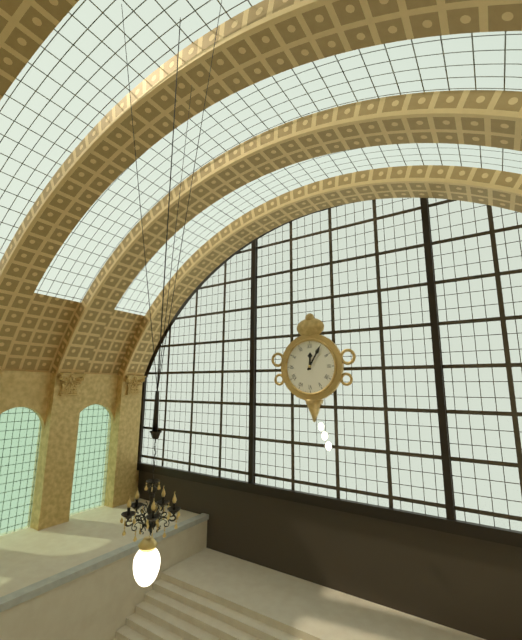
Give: 12:05
